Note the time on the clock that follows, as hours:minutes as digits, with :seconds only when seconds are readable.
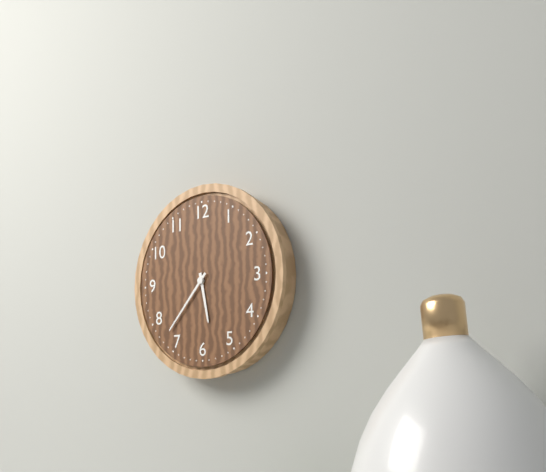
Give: 5:37
